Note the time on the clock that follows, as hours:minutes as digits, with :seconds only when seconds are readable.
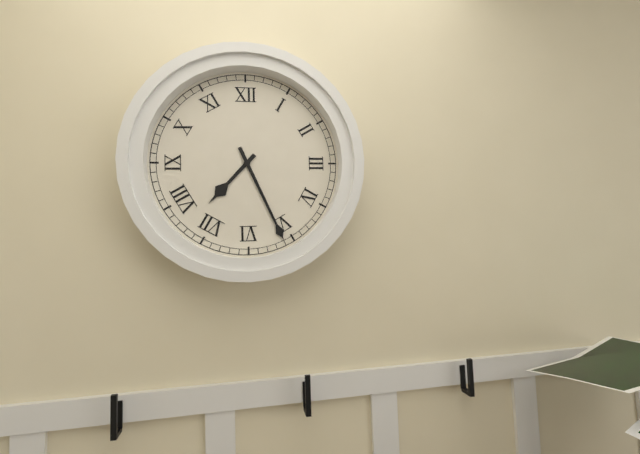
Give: 7:26
